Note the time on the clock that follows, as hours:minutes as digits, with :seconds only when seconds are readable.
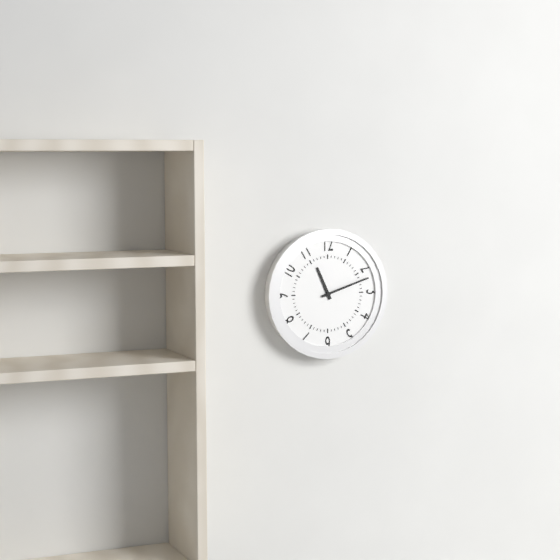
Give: 11:12
